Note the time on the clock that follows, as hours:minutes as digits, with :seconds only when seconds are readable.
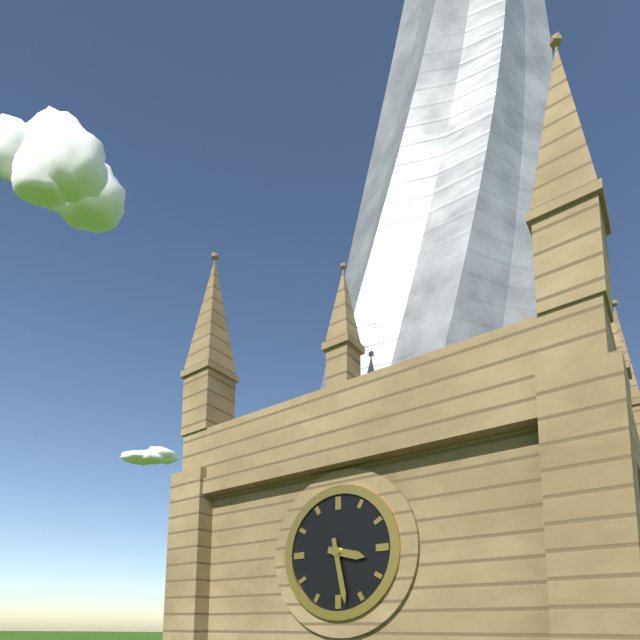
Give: 3:28
